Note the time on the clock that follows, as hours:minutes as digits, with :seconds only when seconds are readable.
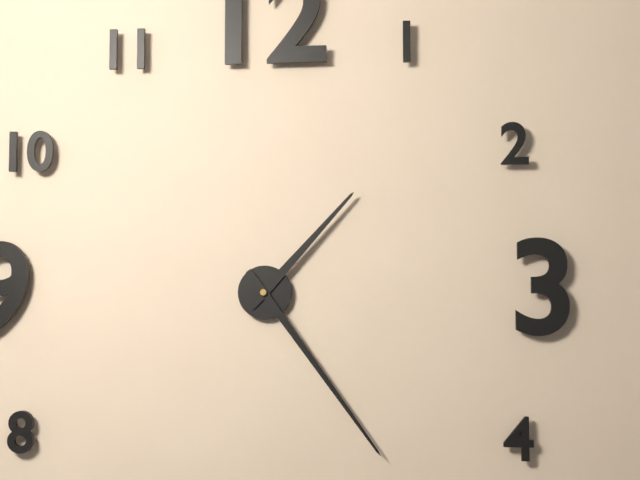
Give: 1:24
